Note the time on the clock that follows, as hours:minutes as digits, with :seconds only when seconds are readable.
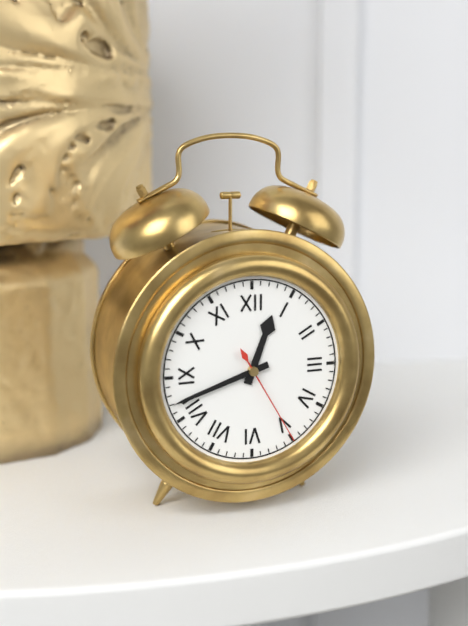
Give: 12:42:25
